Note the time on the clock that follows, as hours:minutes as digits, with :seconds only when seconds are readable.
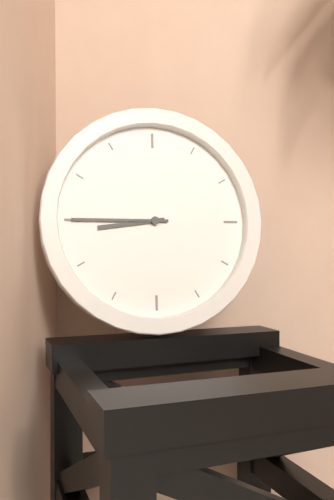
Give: 8:45
